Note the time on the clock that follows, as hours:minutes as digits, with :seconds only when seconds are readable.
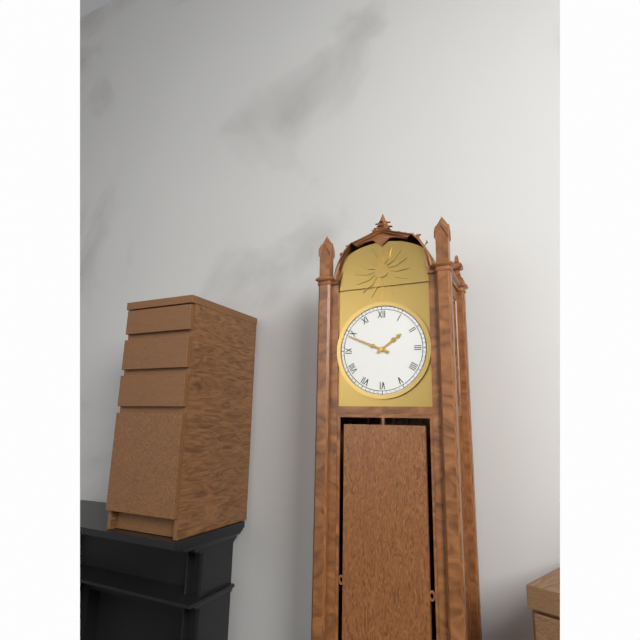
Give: 1:49
